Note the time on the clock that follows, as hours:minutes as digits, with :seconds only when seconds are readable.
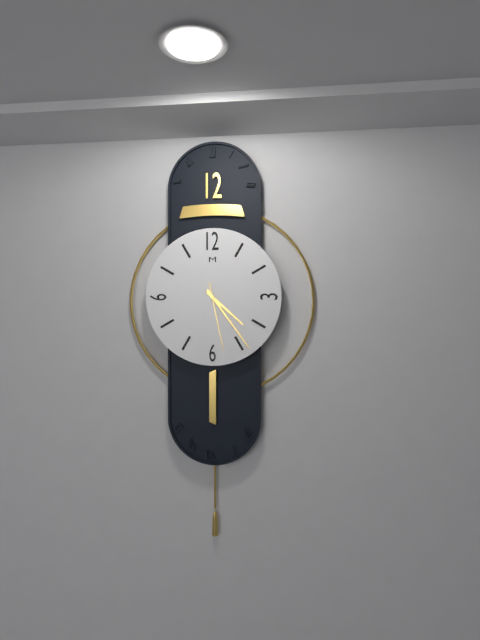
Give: 4:24:28
